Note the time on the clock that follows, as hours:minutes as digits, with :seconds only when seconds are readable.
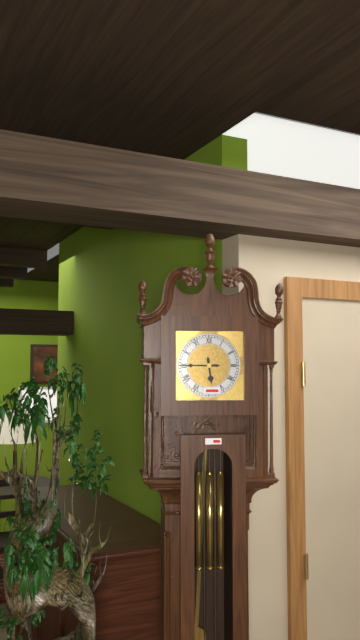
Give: 5:45
